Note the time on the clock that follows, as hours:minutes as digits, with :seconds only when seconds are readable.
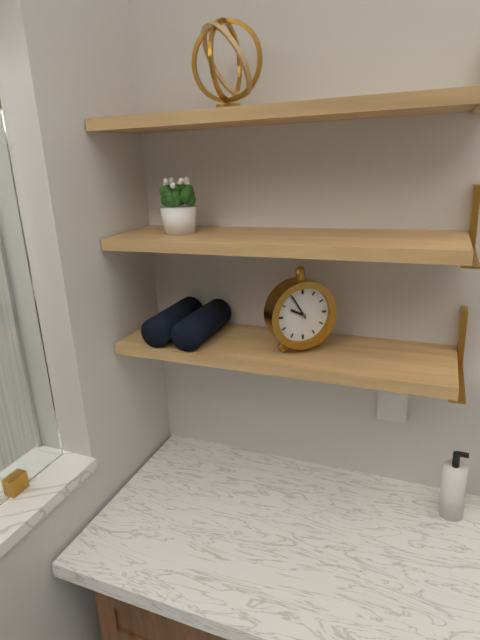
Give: 9:55
